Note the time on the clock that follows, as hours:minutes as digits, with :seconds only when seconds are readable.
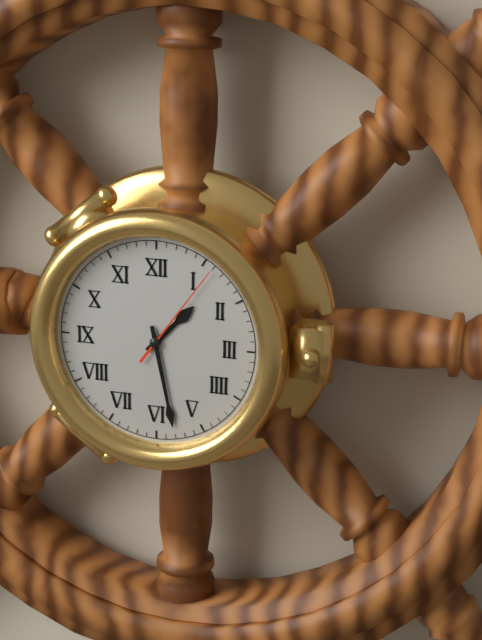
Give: 1:28:06
